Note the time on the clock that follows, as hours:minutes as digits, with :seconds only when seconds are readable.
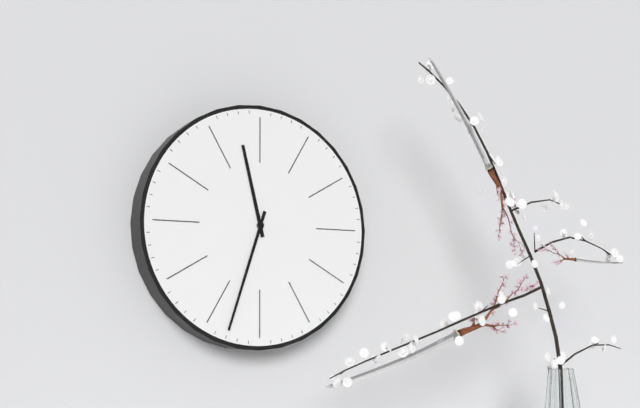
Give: 11:33
